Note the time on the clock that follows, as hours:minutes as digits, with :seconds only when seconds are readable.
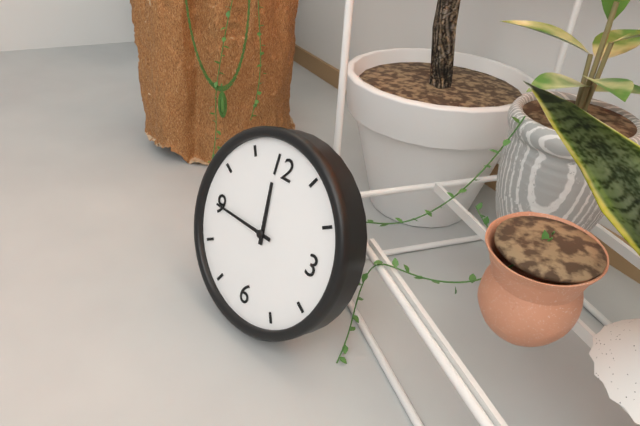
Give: 11:45
